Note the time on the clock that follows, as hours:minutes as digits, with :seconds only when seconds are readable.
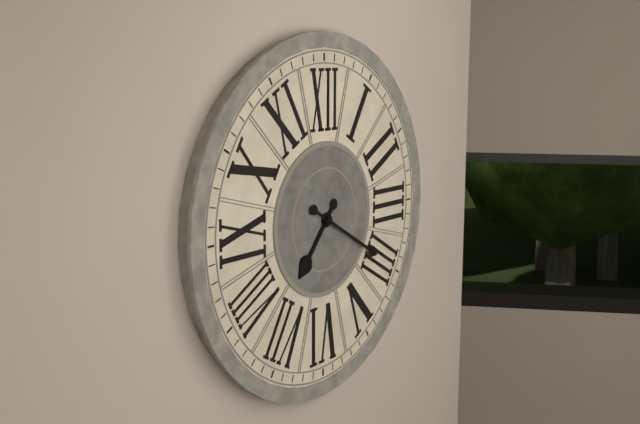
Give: 7:20
